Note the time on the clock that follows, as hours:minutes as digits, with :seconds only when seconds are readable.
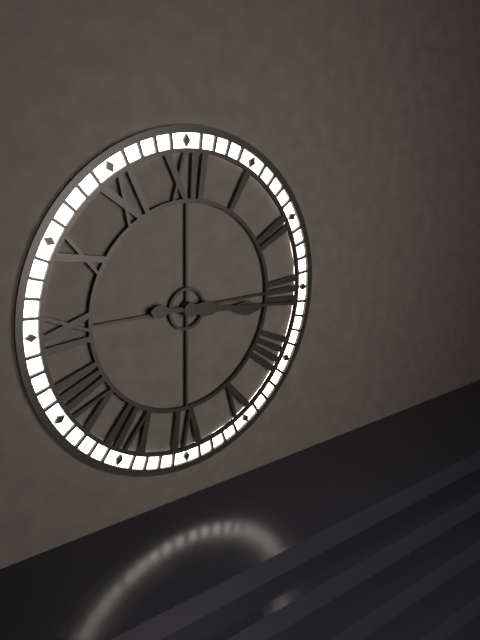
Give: 3:16
